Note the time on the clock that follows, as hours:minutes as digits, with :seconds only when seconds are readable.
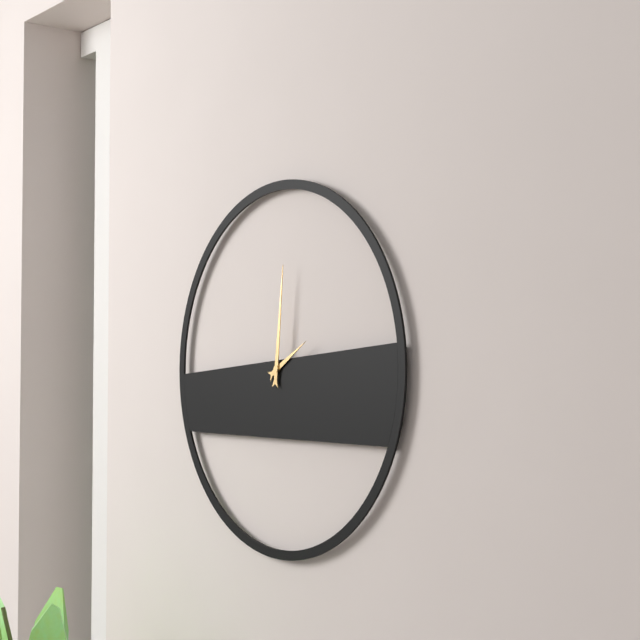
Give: 2:01
